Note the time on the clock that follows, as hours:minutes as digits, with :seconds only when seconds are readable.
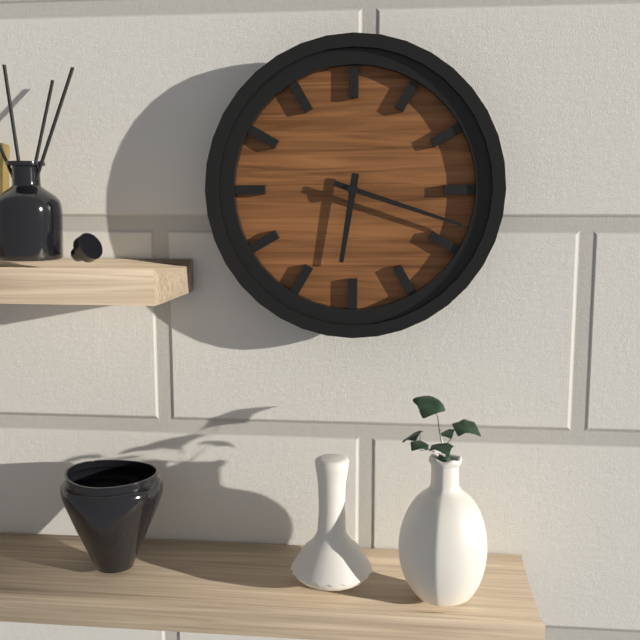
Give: 6:18
